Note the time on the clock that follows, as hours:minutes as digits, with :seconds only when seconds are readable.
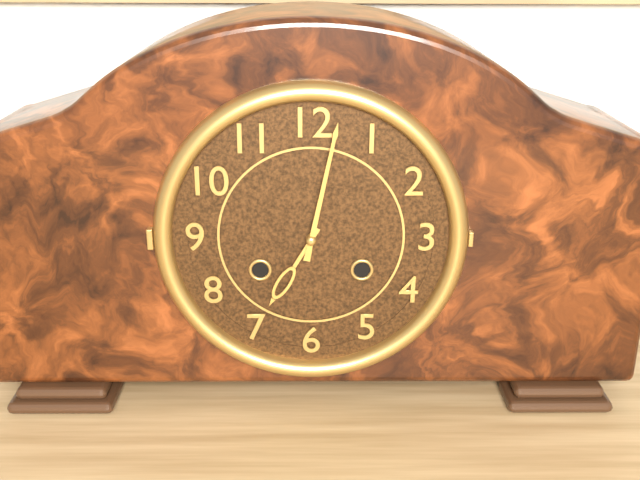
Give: 7:02
